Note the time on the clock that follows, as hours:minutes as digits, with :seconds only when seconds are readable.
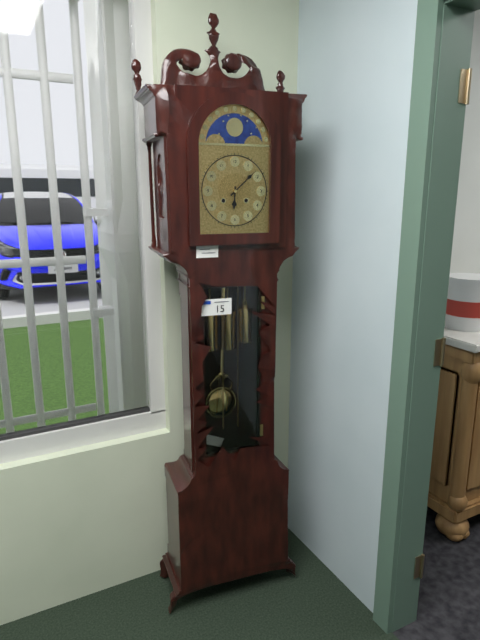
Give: 6:08
